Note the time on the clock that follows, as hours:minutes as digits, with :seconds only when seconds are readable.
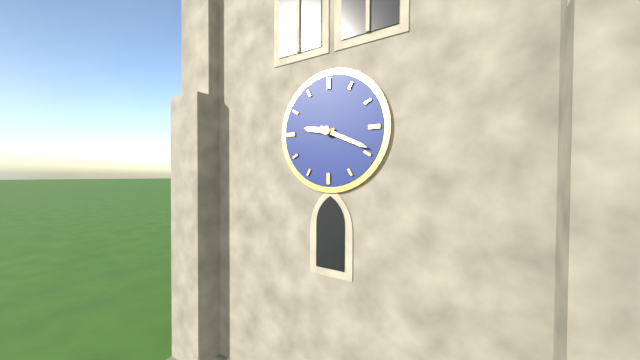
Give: 9:19
